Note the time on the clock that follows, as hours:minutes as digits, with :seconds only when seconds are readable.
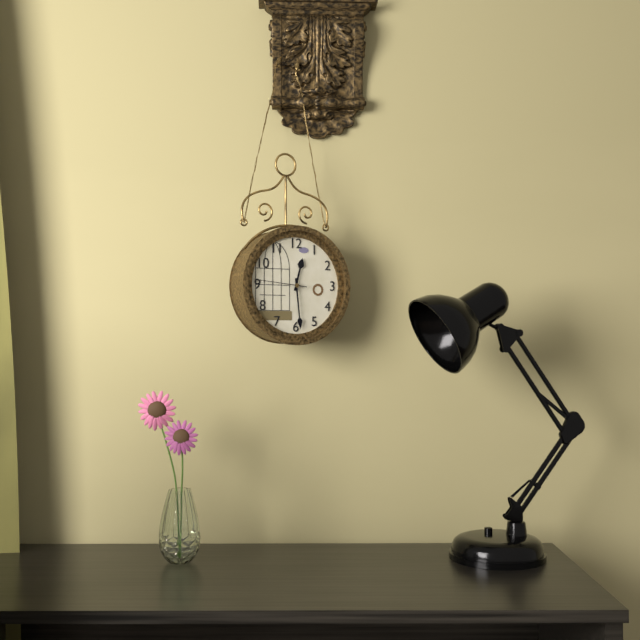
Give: 12:29
